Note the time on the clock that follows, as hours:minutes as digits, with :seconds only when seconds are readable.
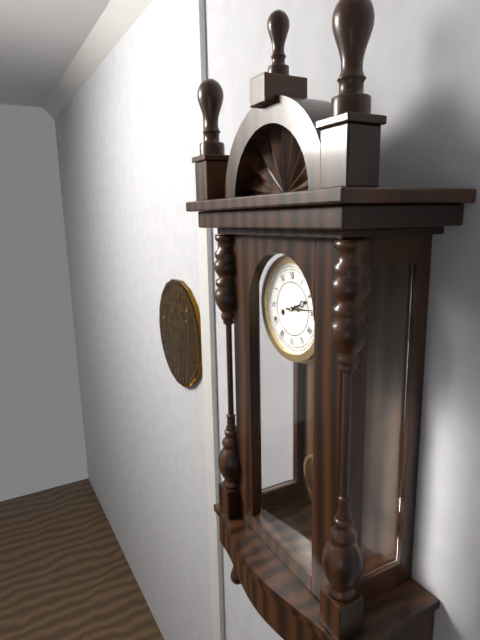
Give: 2:14
